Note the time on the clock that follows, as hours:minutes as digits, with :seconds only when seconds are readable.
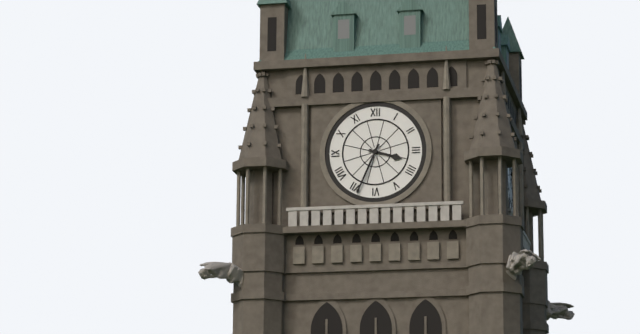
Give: 3:34
